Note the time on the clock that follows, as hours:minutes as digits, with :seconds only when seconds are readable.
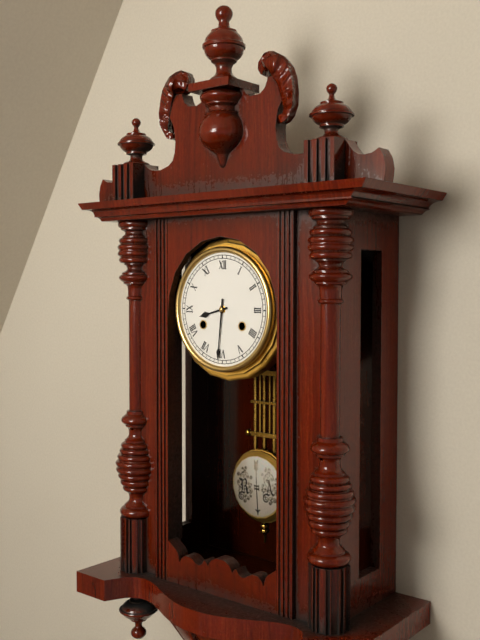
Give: 8:31
